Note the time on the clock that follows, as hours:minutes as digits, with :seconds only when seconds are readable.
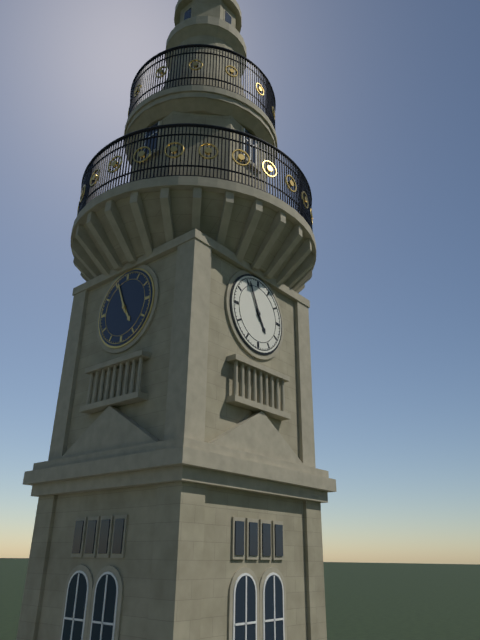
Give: 4:56
